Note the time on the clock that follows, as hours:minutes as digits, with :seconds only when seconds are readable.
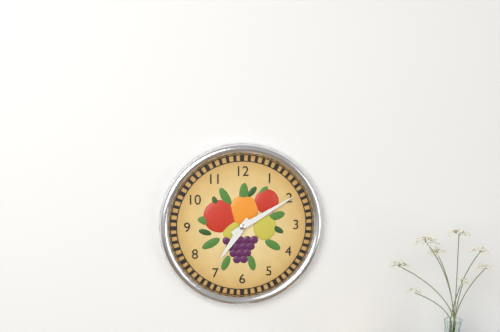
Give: 7:10
